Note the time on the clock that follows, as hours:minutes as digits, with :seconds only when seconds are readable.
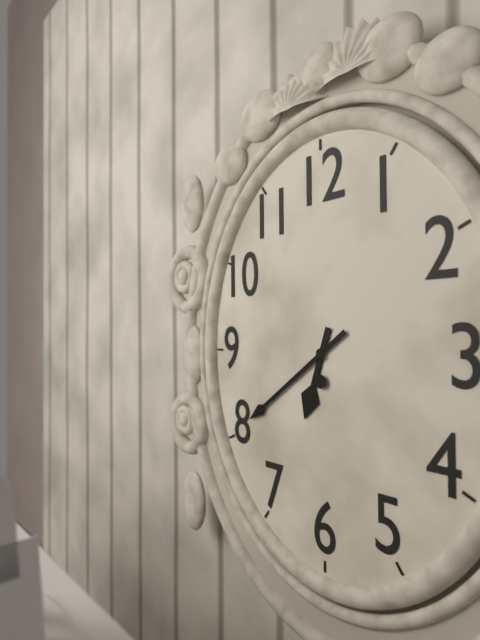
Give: 6:39
